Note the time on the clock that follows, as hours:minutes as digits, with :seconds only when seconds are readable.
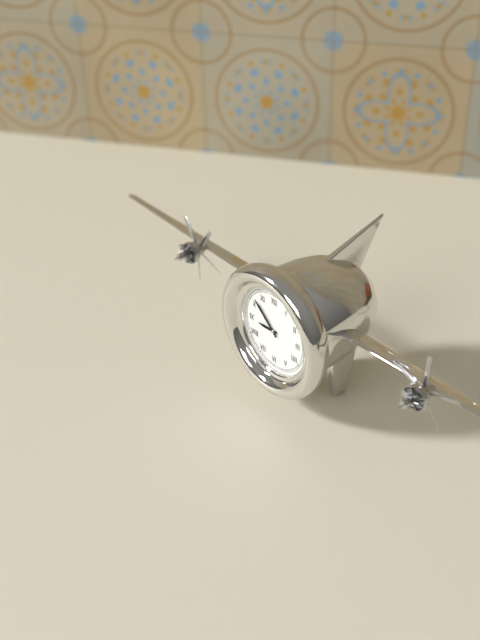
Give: 8:52
